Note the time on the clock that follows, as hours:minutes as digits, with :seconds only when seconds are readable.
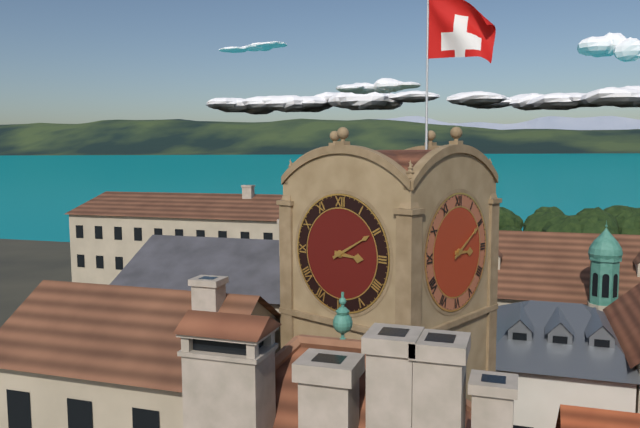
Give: 3:10
